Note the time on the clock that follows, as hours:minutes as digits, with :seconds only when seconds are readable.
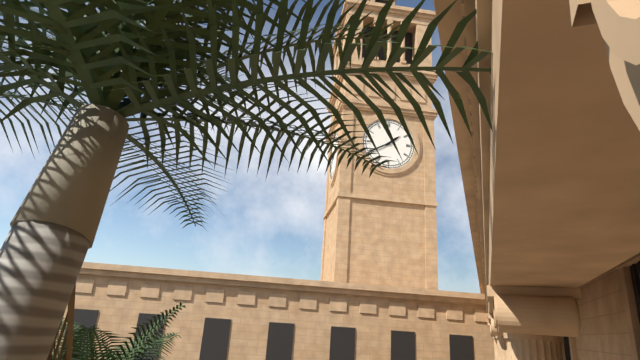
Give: 1:40
